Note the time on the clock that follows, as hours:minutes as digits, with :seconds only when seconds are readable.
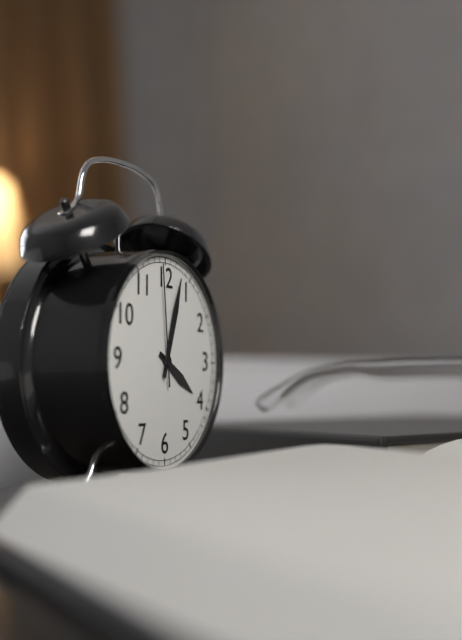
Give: 4:03:59
